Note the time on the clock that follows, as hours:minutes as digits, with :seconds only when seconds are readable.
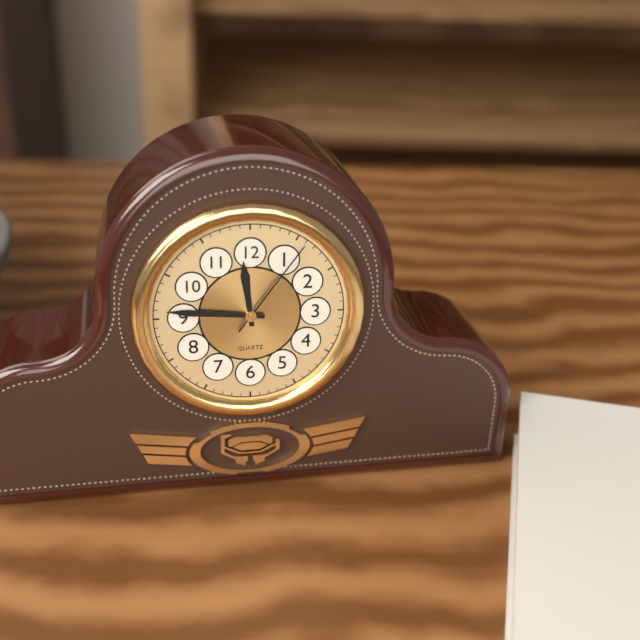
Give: 11:46:06
